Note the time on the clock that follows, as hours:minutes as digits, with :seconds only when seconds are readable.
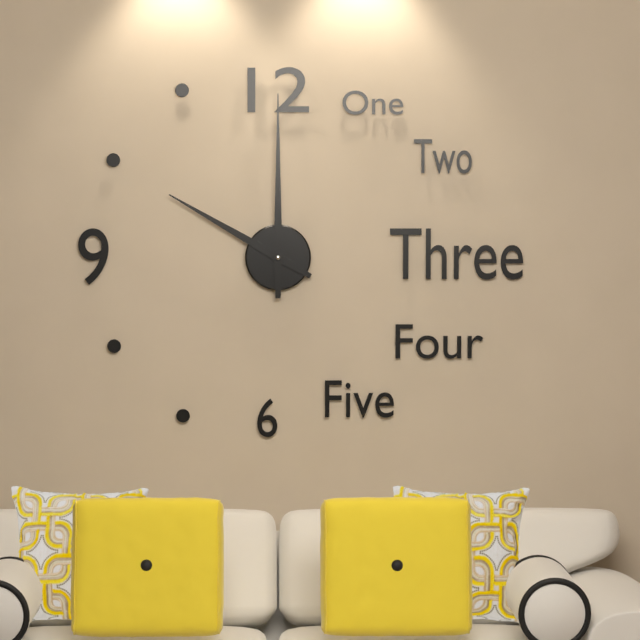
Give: 10:00
